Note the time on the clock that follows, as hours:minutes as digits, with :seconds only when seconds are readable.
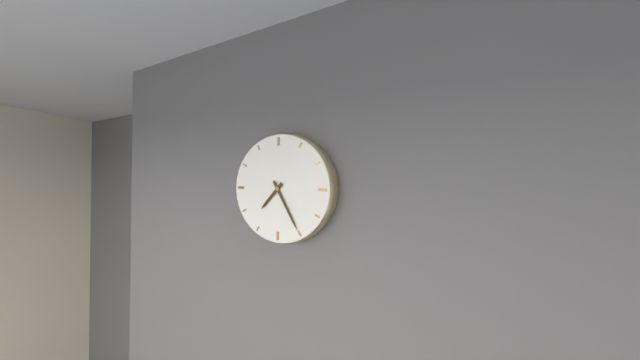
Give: 7:25
